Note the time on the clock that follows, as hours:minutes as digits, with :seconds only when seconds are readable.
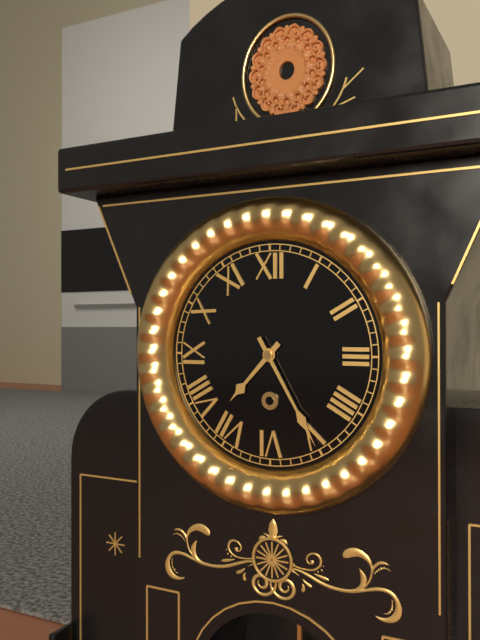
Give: 7:25
